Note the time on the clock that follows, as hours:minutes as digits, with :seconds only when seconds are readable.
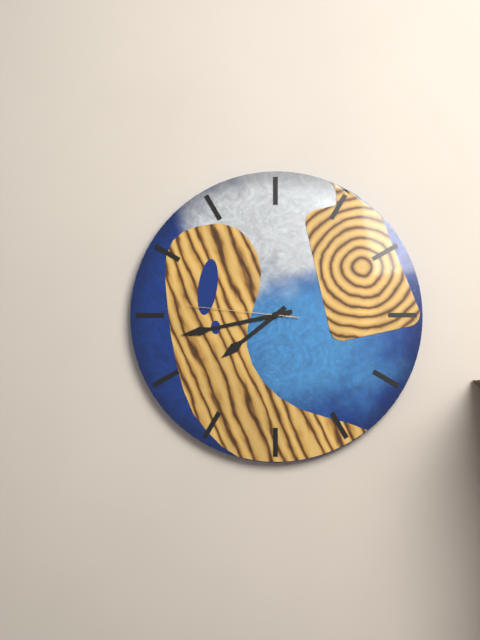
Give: 7:43:46
